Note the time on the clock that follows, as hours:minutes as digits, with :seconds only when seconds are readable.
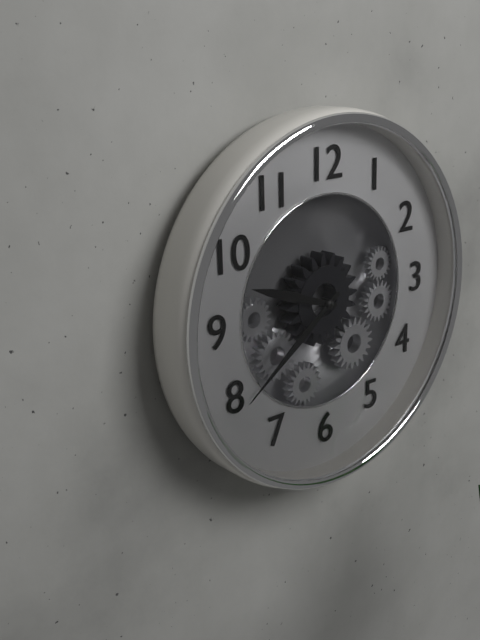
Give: 9:39
